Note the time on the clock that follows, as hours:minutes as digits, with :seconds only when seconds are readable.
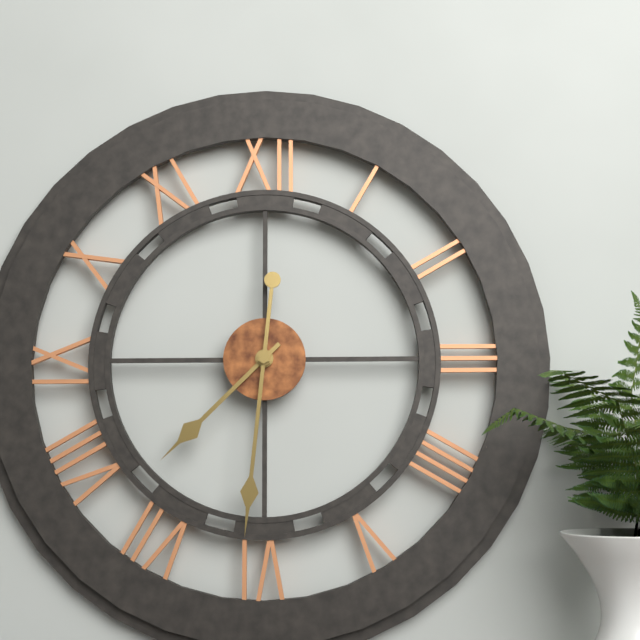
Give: 7:31
